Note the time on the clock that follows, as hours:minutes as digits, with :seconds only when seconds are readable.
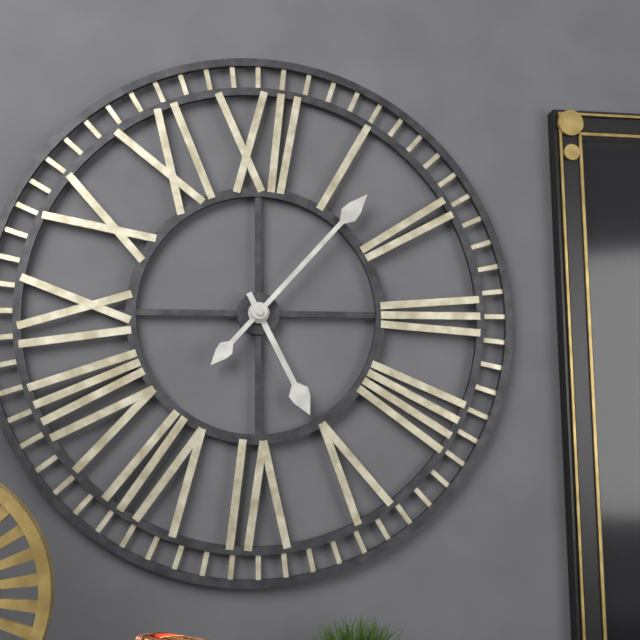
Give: 5:07
